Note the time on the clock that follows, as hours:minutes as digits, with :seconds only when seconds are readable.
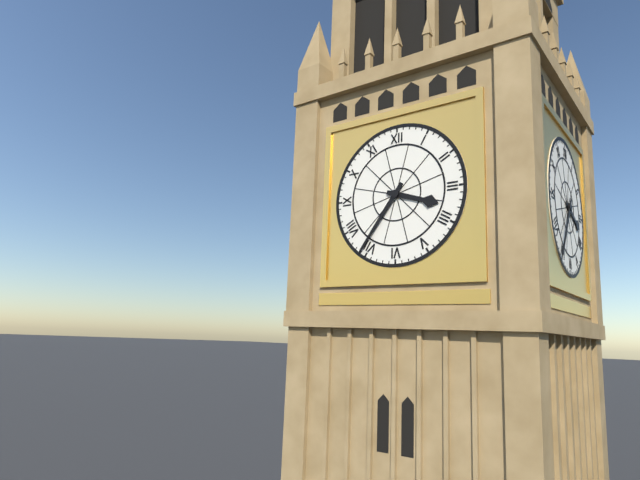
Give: 3:36
